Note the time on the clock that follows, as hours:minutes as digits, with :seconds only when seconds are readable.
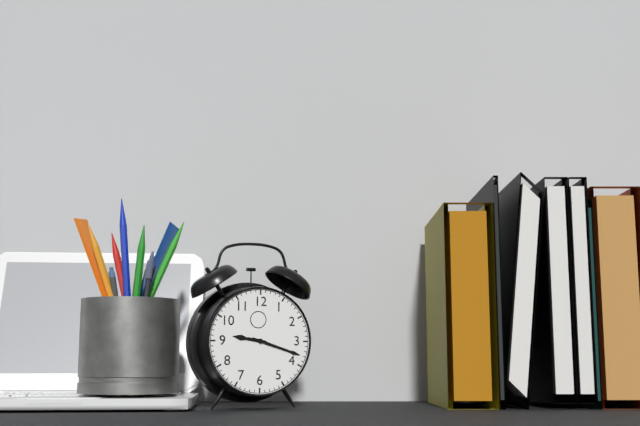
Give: 9:18
